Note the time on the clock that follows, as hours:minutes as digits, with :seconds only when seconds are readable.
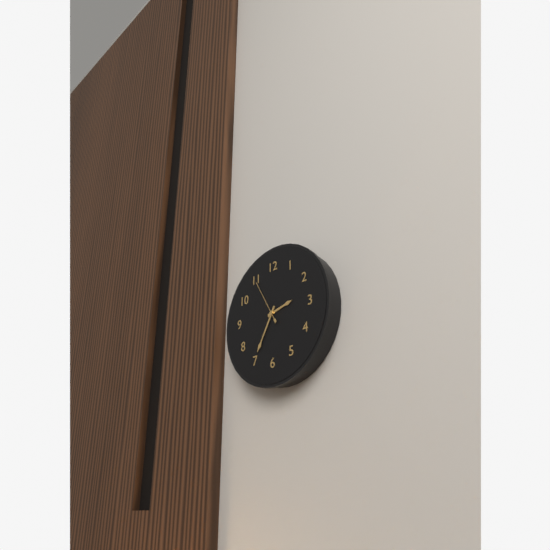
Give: 2:35
